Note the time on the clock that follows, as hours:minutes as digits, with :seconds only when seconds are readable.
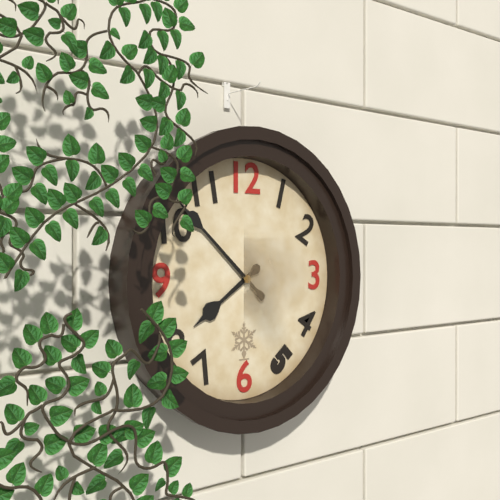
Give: 7:52
